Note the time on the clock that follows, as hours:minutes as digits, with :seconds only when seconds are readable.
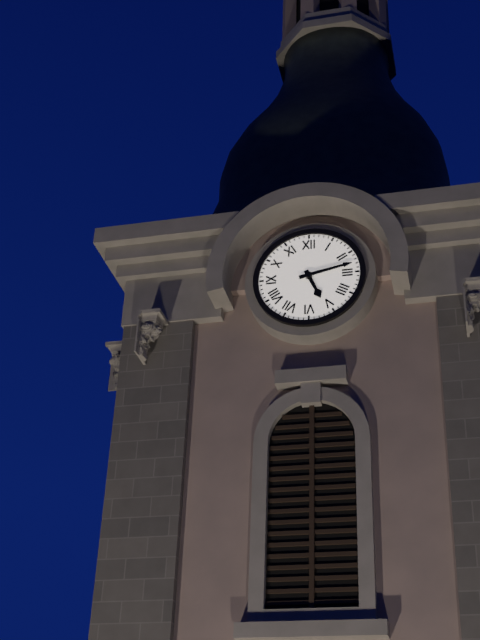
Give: 5:13
